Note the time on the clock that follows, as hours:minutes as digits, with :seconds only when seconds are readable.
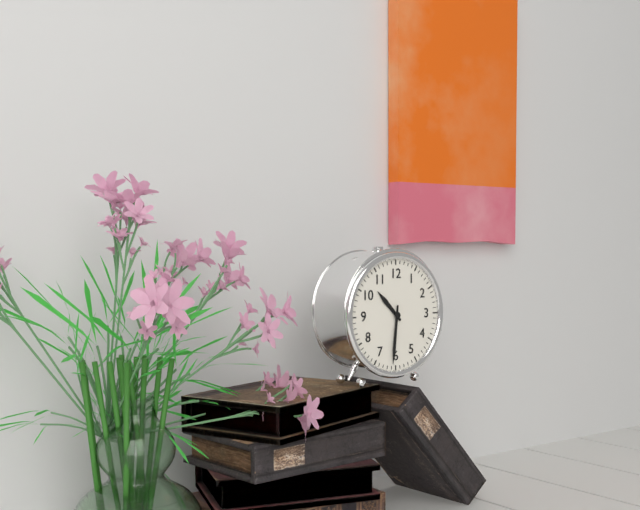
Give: 10:31
